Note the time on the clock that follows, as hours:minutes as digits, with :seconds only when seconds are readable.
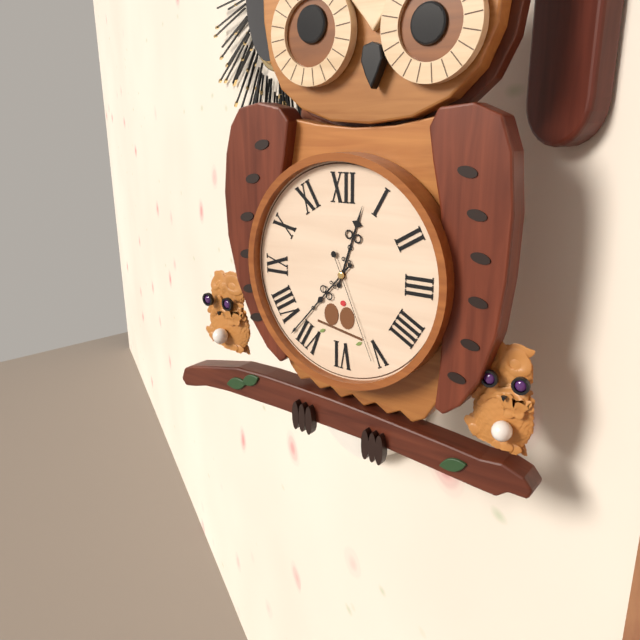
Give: 12:37:26
